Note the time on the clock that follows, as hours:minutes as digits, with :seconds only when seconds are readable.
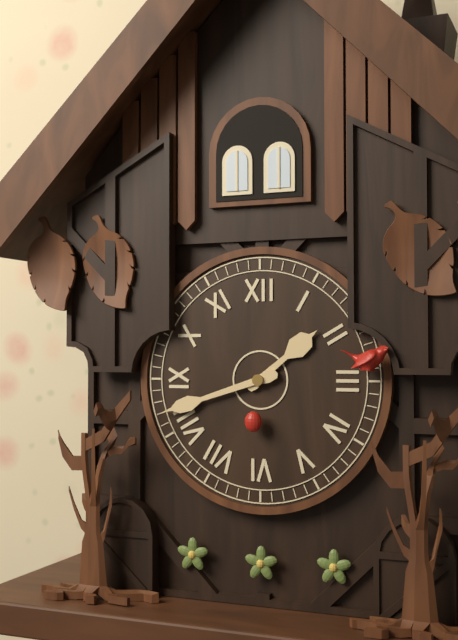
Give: 1:42
